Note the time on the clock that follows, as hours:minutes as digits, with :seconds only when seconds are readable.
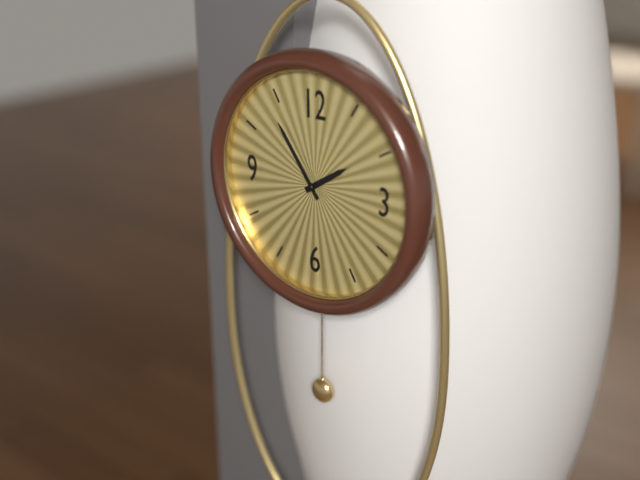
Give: 1:54
